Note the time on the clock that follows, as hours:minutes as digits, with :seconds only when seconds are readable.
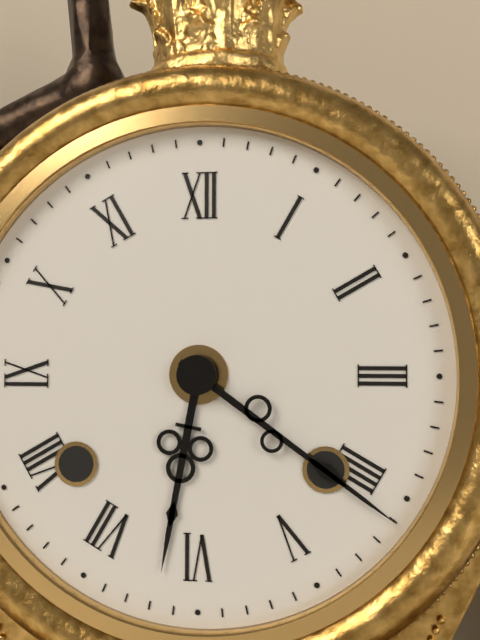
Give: 6:21
